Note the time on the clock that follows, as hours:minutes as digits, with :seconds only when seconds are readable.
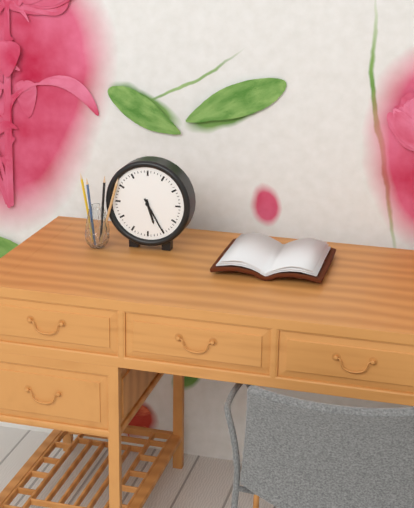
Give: 5:25
